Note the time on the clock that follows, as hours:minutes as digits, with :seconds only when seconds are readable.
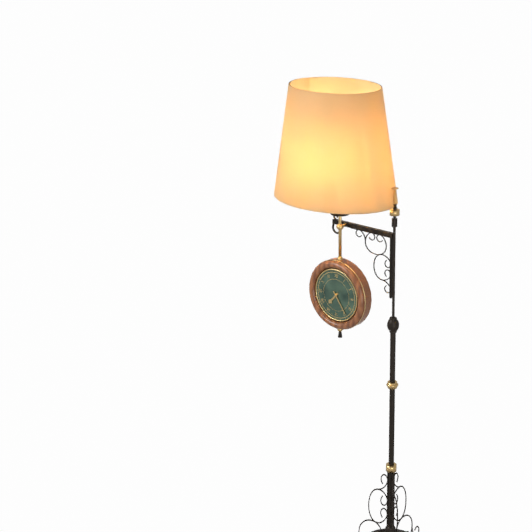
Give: 7:24
